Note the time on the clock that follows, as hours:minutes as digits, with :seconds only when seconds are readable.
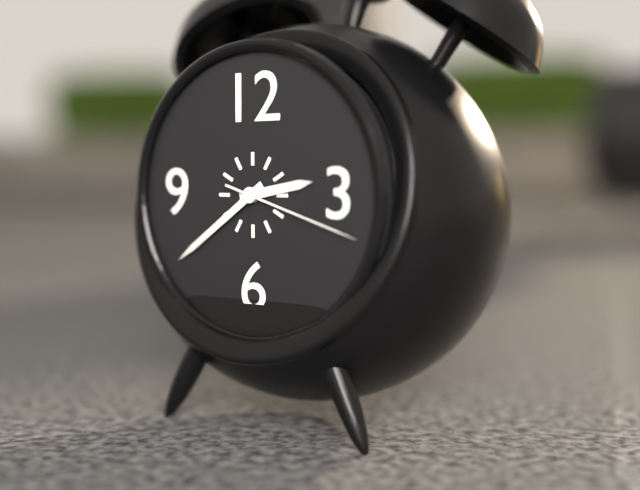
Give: 2:39:18
